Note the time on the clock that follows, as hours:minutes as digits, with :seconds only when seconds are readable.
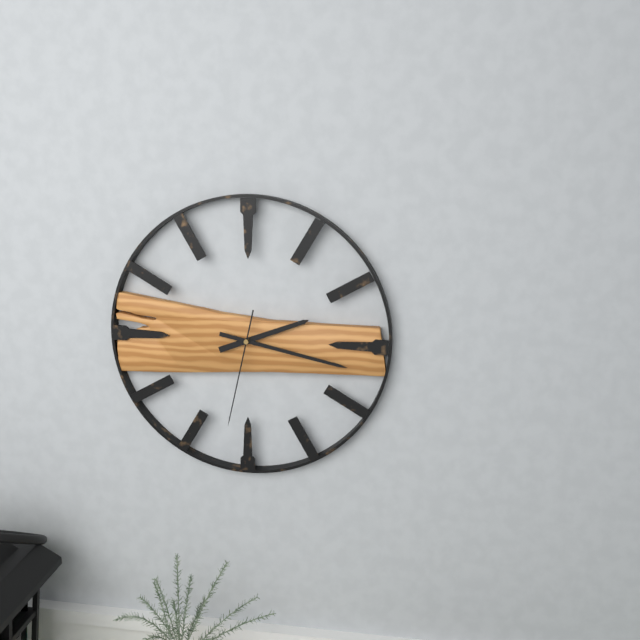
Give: 2:17:32
